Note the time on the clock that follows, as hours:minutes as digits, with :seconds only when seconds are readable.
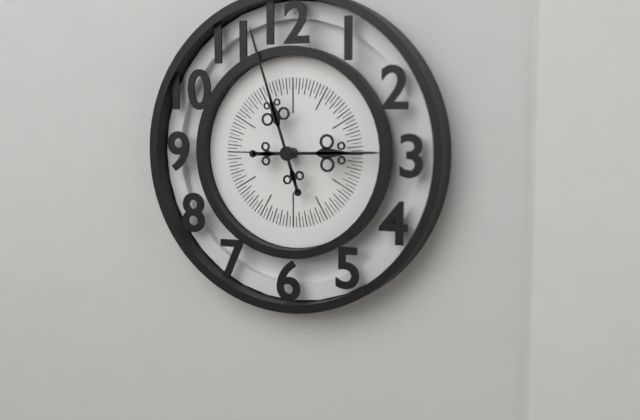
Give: 2:57
